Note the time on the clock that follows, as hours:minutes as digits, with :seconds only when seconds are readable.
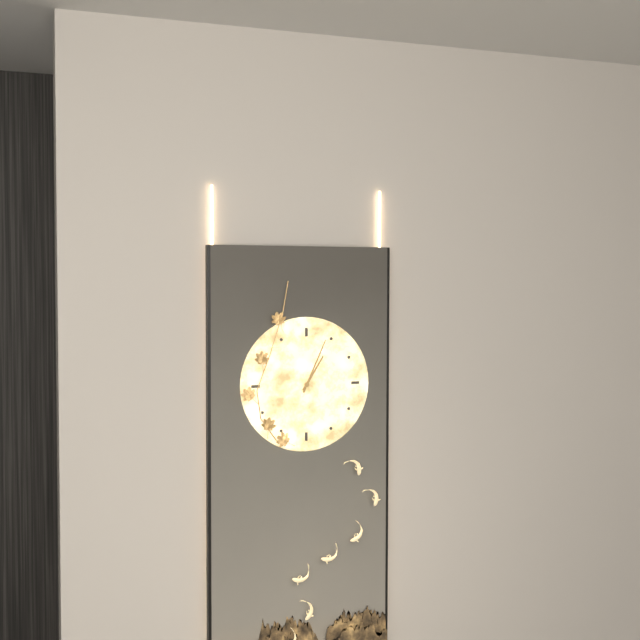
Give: 1:04
